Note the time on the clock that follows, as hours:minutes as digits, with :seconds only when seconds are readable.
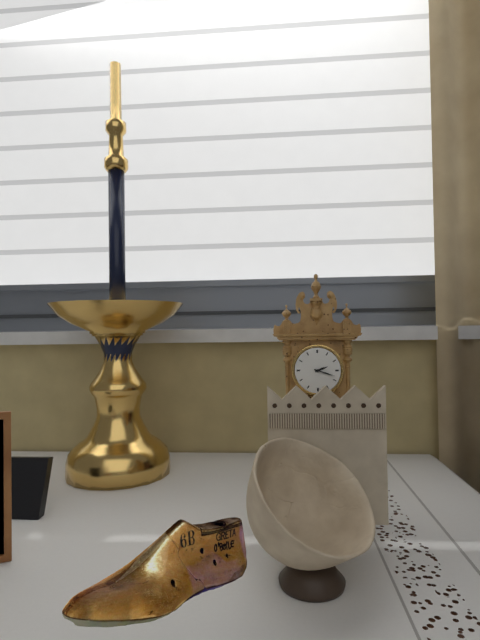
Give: 2:18
